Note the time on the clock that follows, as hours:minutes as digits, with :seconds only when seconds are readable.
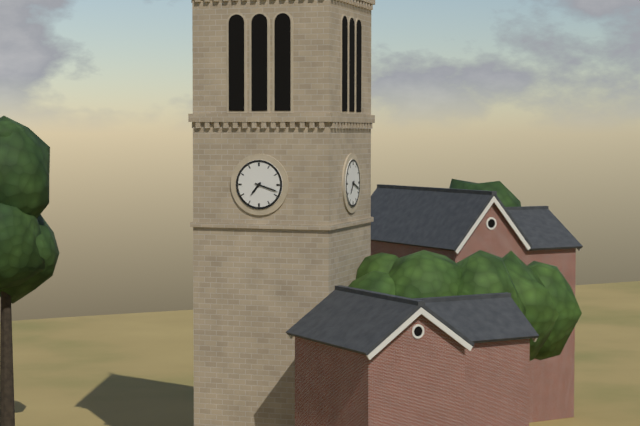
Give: 7:18
